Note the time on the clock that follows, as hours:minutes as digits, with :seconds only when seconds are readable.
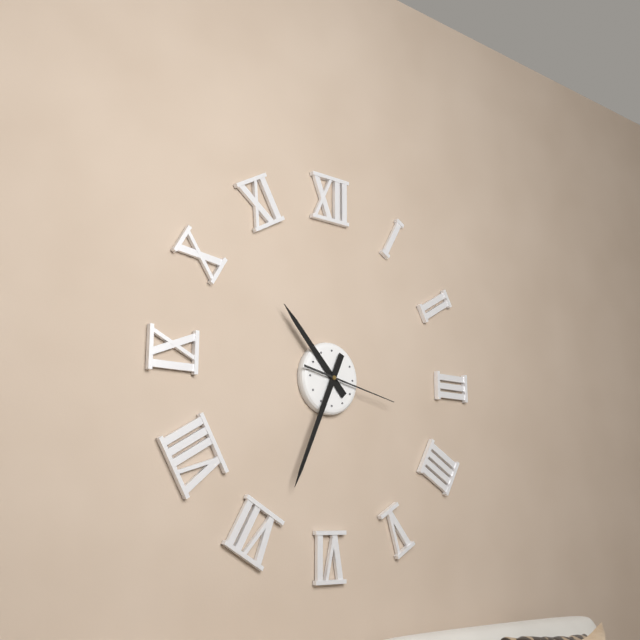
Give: 10:34:17
